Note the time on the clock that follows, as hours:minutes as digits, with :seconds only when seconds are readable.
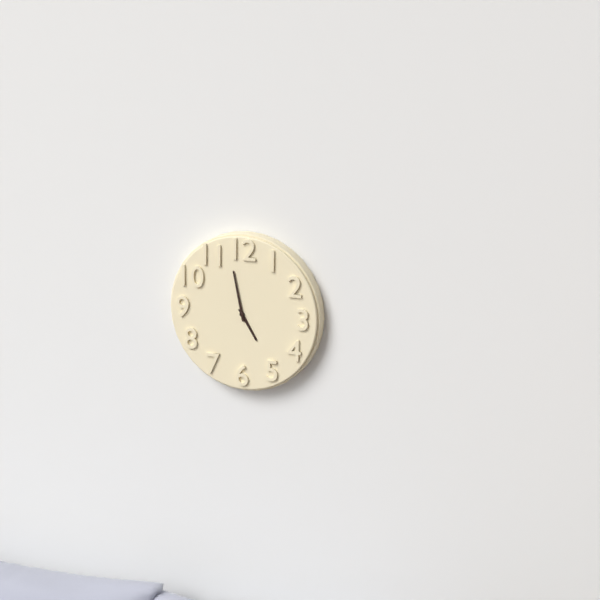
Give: 4:58
